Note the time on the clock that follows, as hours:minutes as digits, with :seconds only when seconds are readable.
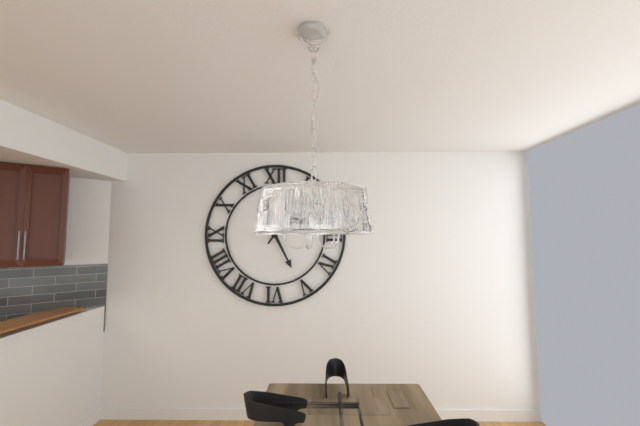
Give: 5:06
